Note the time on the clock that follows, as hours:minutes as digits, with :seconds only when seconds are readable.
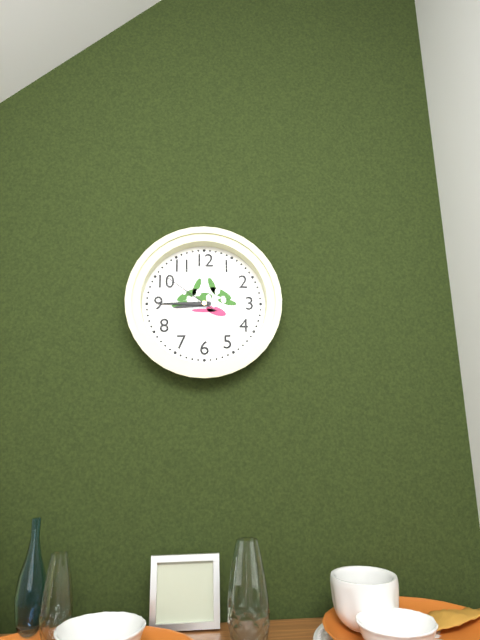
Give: 8:45:51
